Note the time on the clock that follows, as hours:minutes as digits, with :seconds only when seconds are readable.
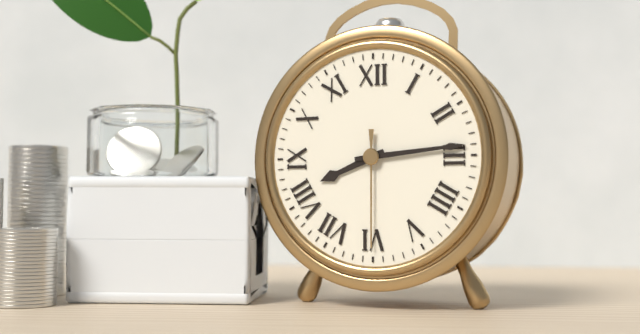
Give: 8:14:30
